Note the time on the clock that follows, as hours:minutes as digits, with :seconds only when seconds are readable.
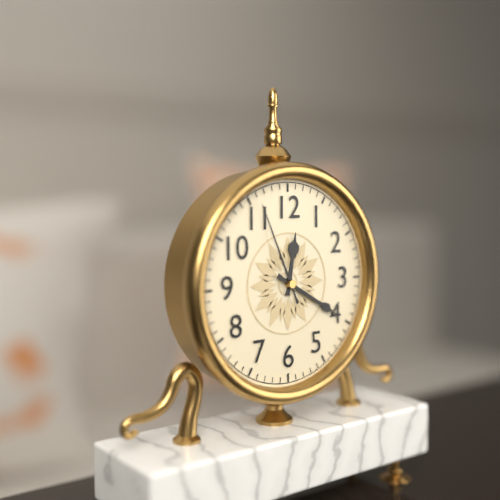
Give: 12:20:56
